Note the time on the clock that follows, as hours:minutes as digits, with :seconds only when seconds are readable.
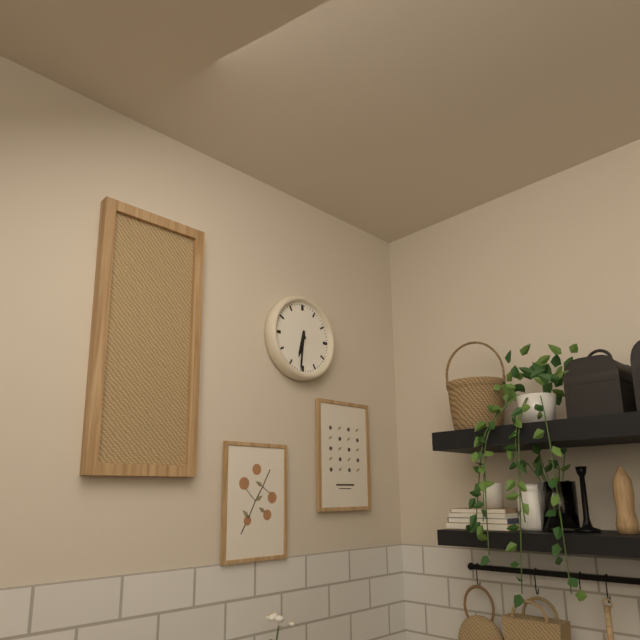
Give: 6:31
